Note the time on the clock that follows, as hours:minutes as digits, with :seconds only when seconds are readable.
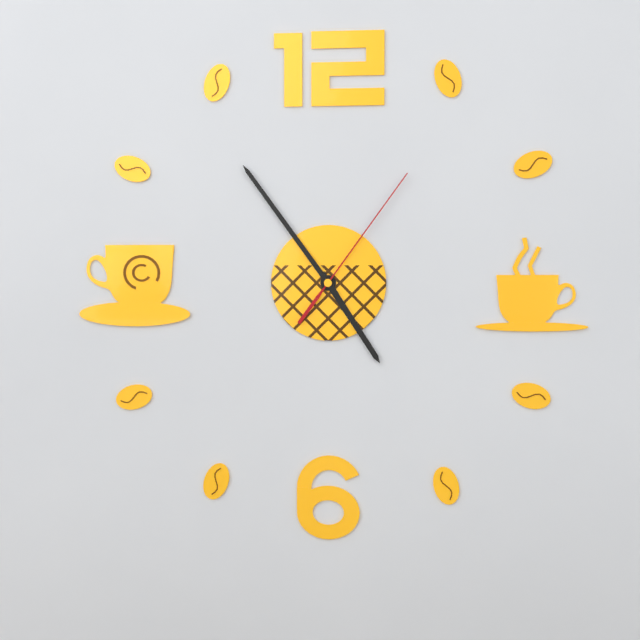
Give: 4:54:06
